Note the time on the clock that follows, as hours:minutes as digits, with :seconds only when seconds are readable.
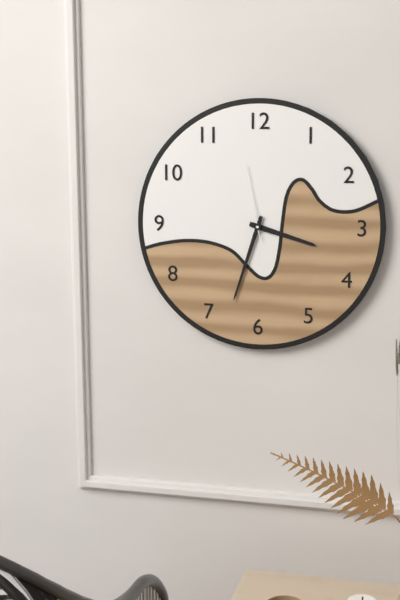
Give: 3:33:58
